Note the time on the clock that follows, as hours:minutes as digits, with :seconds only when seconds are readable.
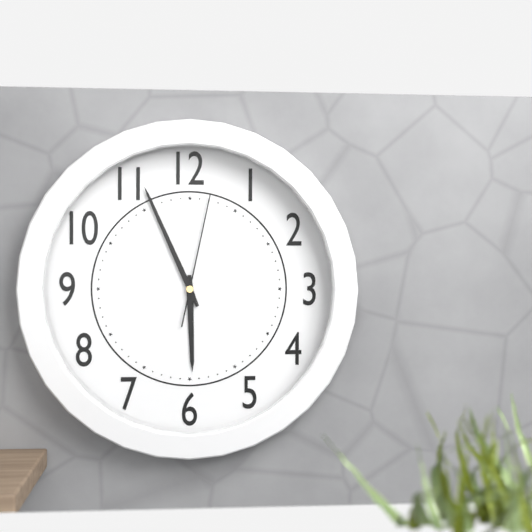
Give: 5:56:02
